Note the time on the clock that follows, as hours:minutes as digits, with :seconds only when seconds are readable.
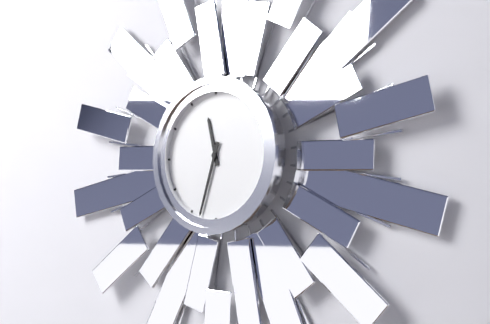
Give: 11:33
